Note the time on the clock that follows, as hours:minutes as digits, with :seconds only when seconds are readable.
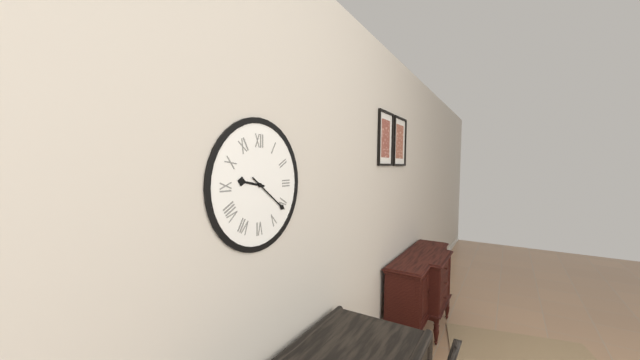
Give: 9:21
